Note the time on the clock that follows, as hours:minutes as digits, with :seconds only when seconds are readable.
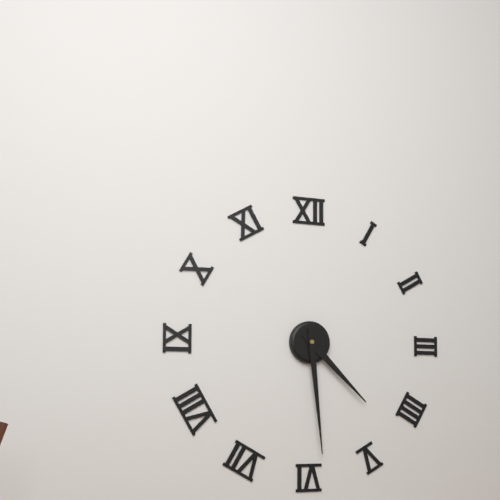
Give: 4:29
